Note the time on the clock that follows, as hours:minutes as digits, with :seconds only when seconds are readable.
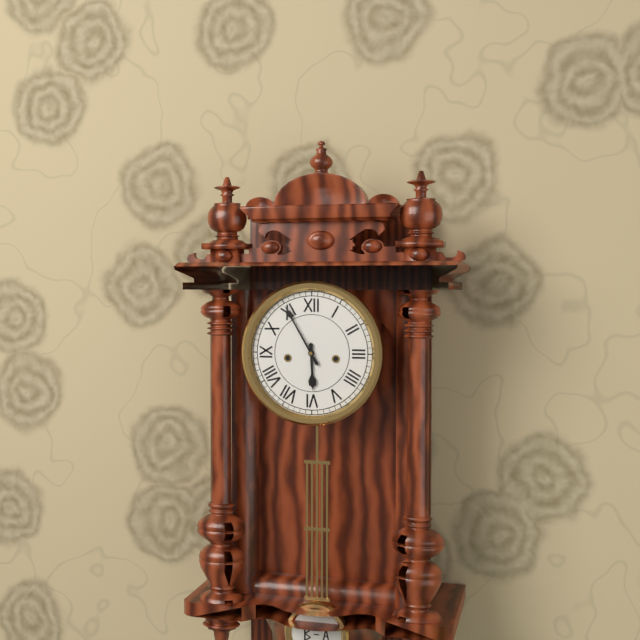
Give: 5:55
